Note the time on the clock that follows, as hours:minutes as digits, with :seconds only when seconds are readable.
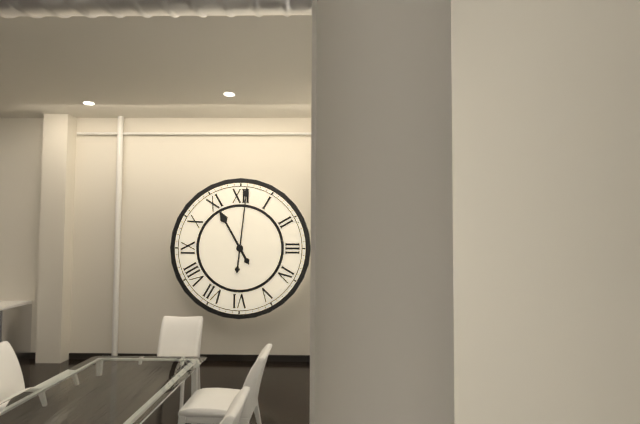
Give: 11:01
